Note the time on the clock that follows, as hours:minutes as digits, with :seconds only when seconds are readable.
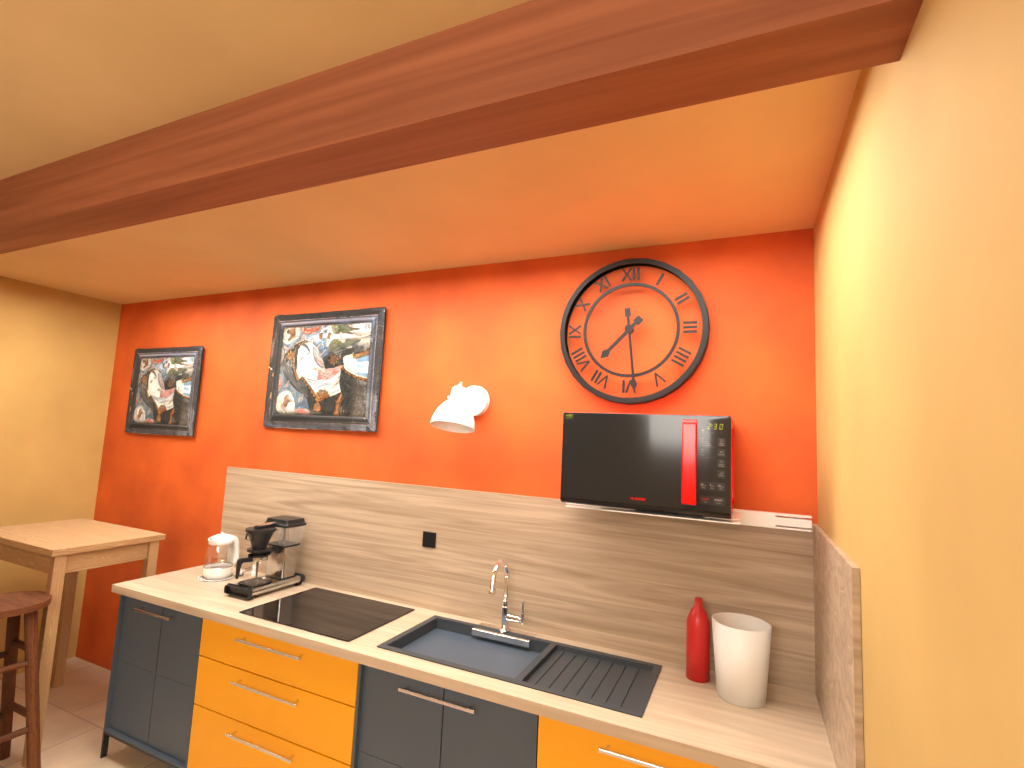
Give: 7:29
